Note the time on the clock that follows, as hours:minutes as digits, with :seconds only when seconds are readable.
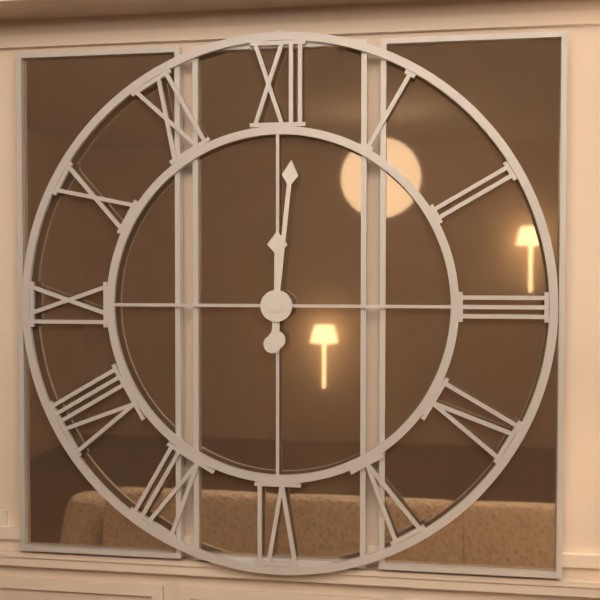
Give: 12:01
